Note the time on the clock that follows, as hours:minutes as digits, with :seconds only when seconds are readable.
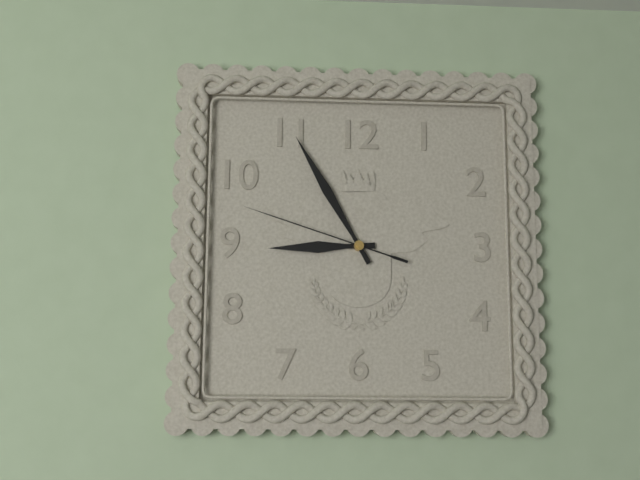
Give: 8:55:48
